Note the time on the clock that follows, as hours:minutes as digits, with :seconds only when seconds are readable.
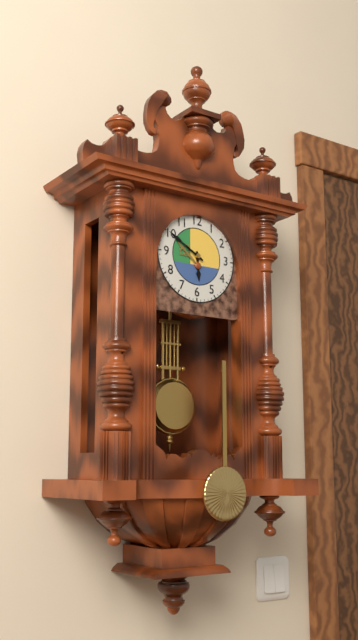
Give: 5:50
